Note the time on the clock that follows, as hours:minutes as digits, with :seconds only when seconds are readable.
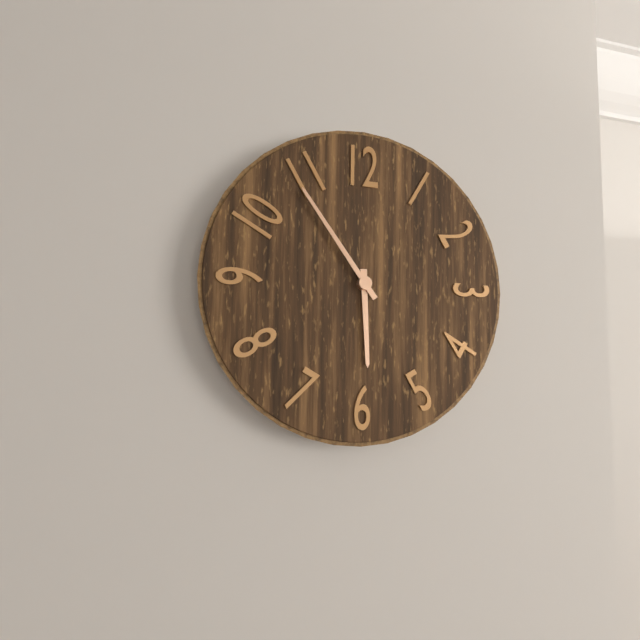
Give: 5:54
